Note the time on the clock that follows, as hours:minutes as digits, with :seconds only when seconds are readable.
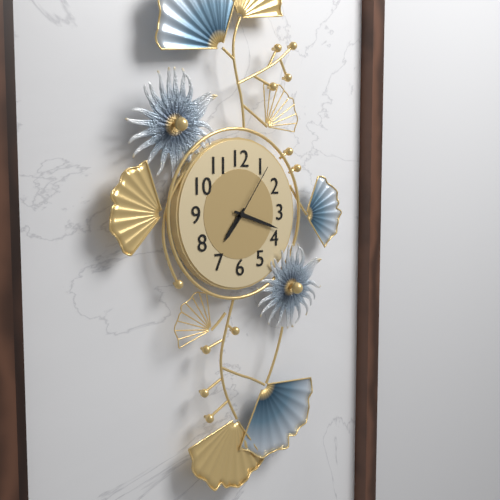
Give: 7:18:06
